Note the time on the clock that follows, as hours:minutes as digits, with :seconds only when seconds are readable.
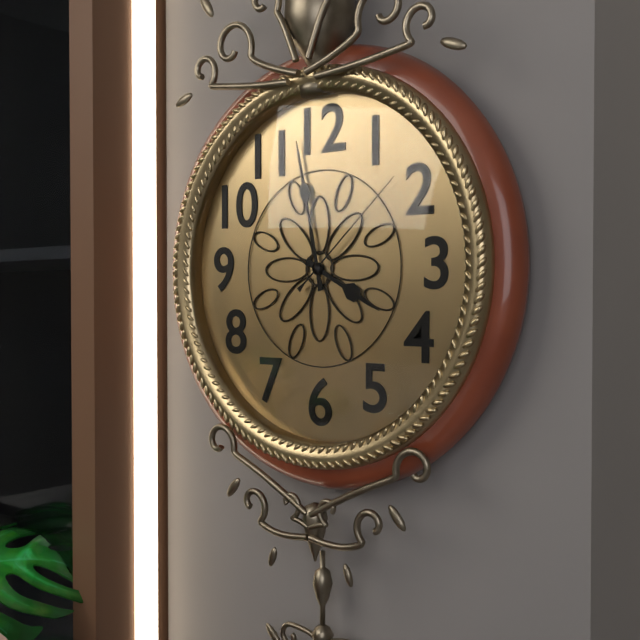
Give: 3:58:08
